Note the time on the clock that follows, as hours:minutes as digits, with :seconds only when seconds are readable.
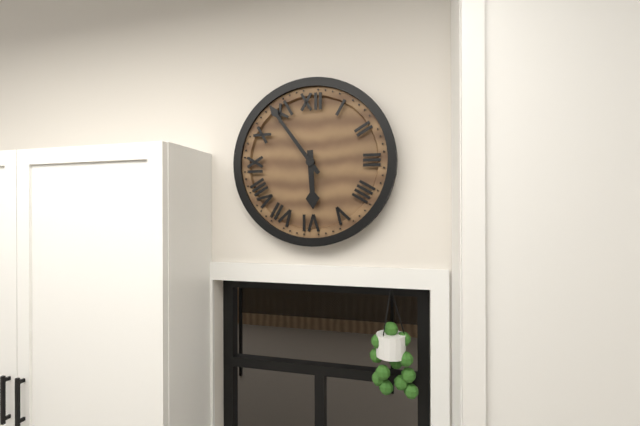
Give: 5:54
